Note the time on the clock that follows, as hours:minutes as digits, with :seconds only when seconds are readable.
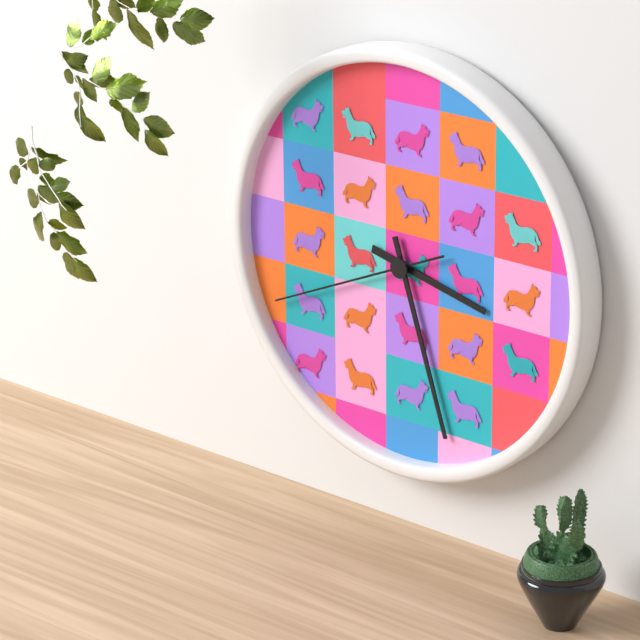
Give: 3:27:41
